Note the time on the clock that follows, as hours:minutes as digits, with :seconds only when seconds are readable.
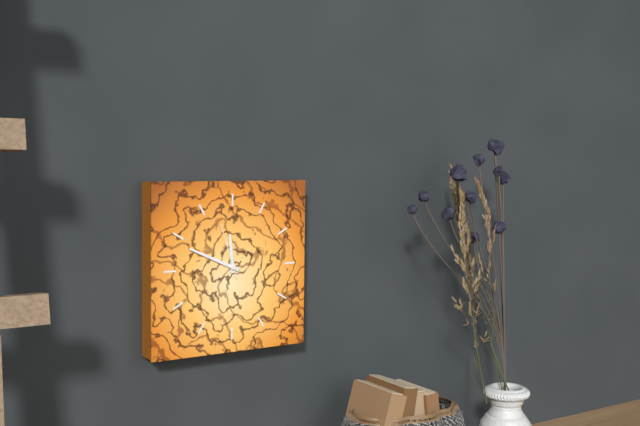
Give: 11:49:57
